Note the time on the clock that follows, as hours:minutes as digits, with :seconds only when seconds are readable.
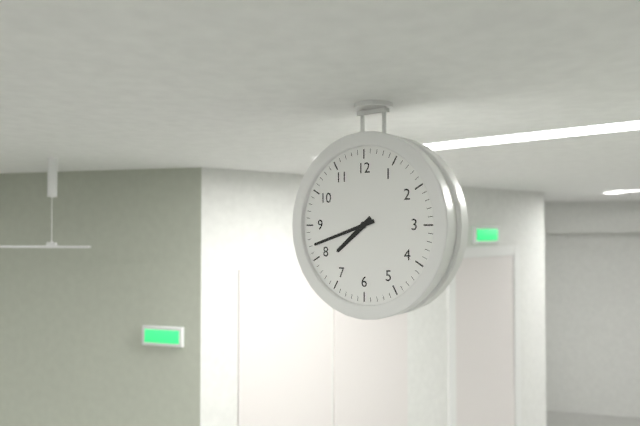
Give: 7:42
